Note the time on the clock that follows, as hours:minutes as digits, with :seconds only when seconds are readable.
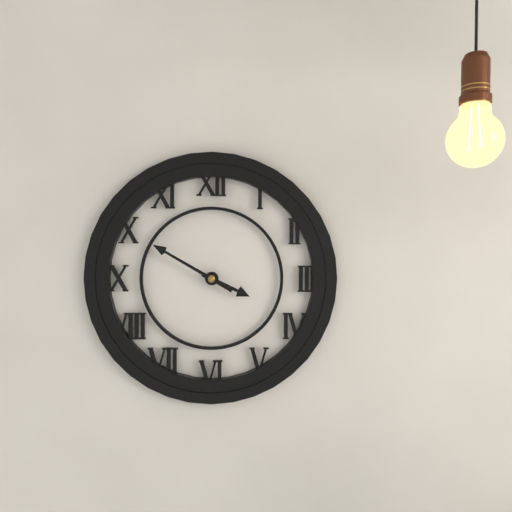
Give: 3:50
